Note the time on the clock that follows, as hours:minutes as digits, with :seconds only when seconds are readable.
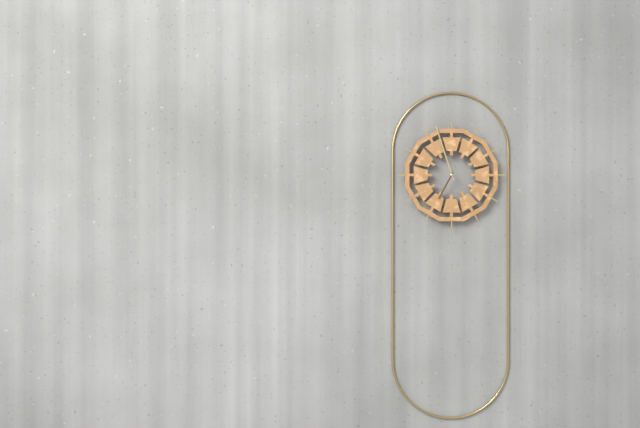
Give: 6:57
